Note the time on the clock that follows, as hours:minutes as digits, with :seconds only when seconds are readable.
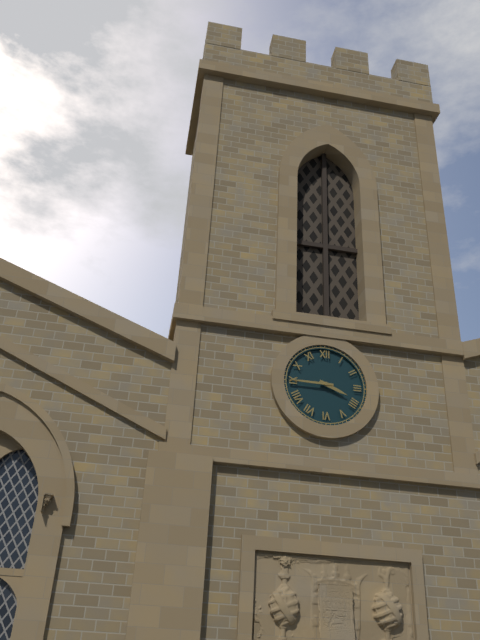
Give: 3:45
